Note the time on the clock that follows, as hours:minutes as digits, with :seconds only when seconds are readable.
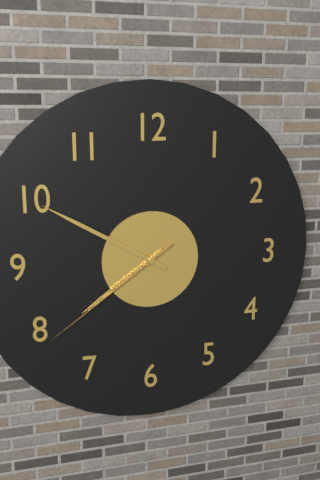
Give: 7:50:39
